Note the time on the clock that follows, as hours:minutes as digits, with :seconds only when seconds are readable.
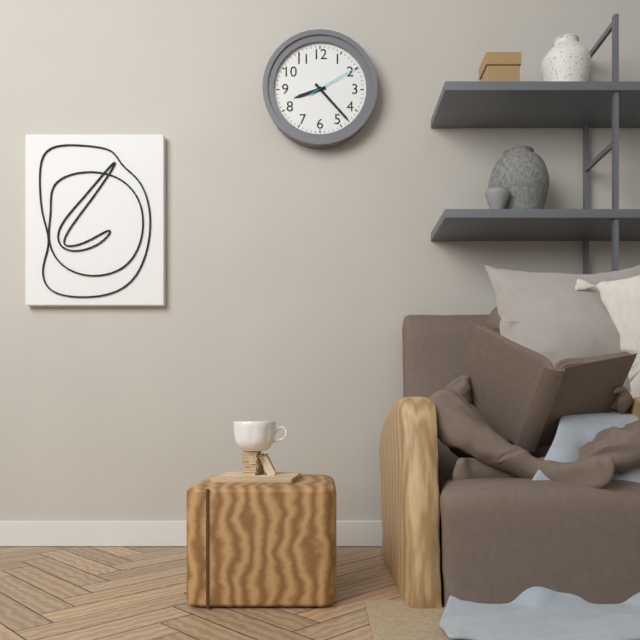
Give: 8:23:10
